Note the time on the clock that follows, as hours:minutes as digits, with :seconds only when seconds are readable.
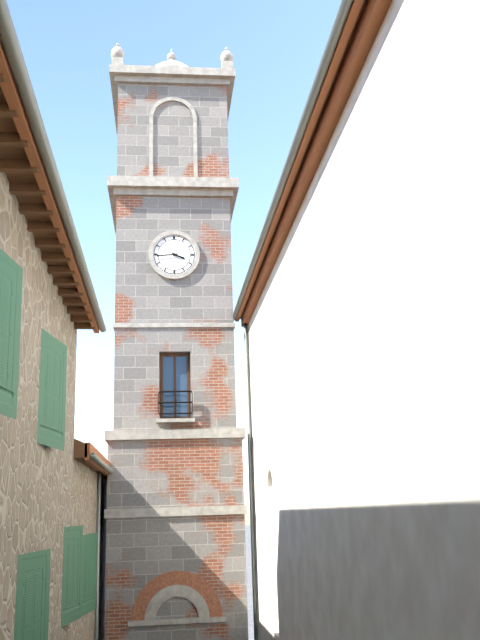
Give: 3:44
